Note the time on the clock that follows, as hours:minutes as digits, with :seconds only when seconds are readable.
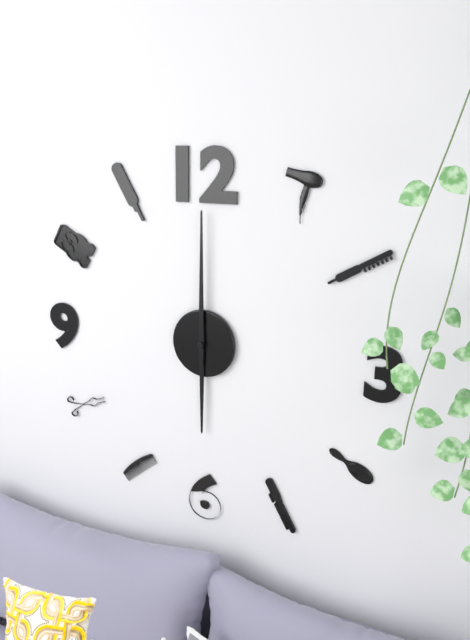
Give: 6:00
